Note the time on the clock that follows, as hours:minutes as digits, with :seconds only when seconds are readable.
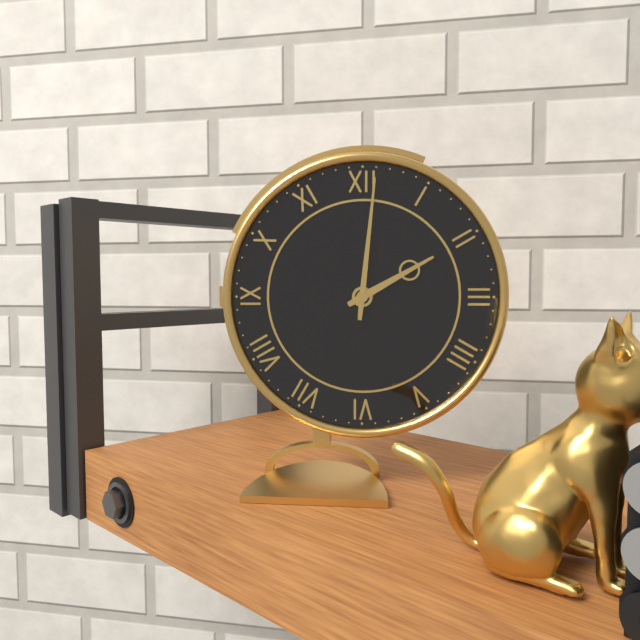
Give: 2:01
